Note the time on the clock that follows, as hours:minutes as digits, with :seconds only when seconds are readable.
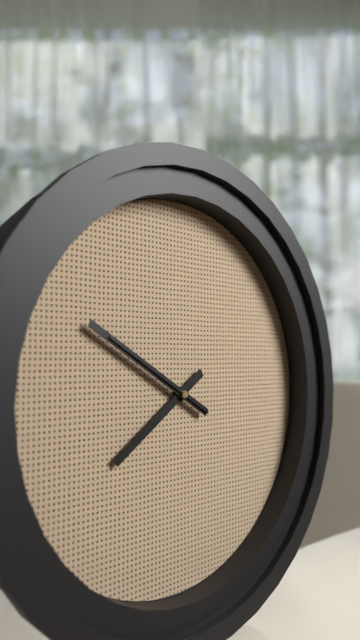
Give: 7:50:50
